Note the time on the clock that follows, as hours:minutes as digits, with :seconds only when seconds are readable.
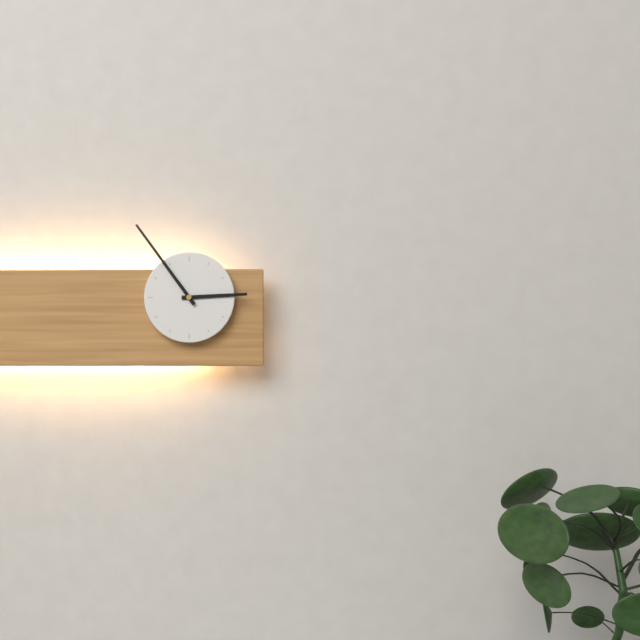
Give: 2:54
